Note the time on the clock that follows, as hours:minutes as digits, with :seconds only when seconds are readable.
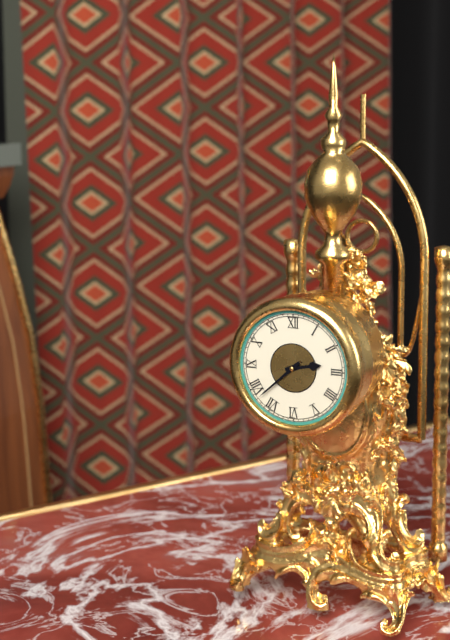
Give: 2:38
